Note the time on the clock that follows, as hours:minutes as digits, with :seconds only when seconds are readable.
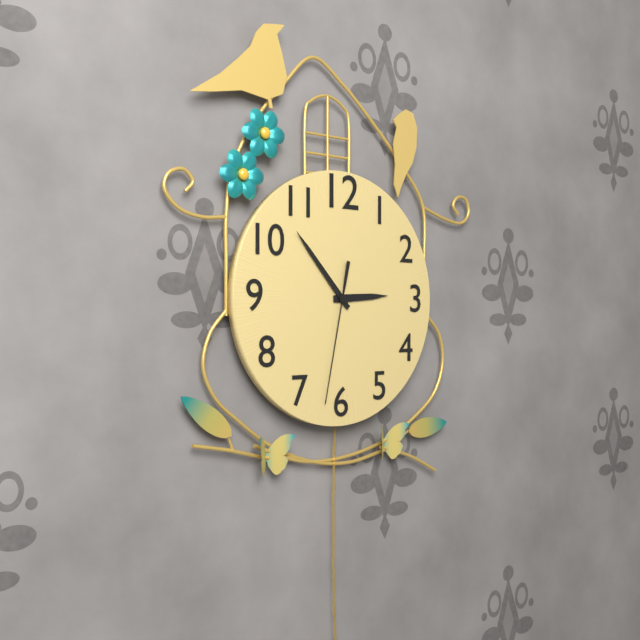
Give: 2:53:32
